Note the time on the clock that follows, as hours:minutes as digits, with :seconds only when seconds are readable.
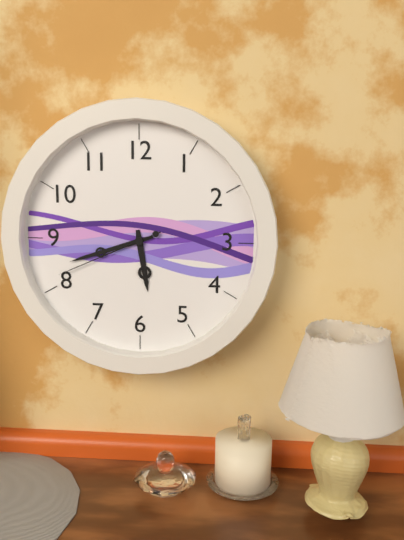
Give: 5:42:41
